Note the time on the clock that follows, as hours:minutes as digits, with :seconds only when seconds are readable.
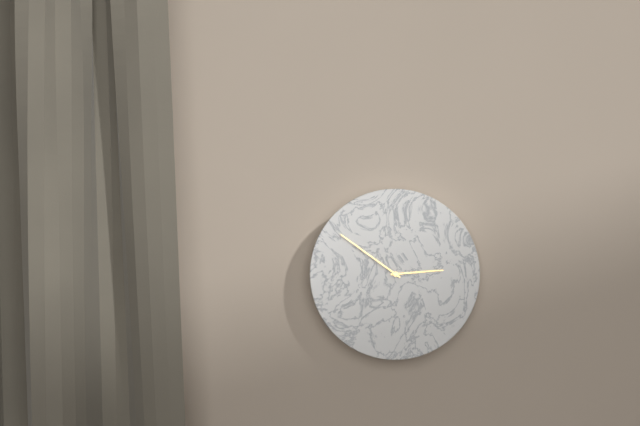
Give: 2:51
